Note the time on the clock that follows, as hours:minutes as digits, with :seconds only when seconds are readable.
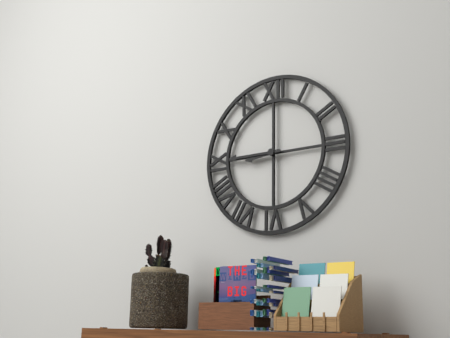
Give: 8:45
